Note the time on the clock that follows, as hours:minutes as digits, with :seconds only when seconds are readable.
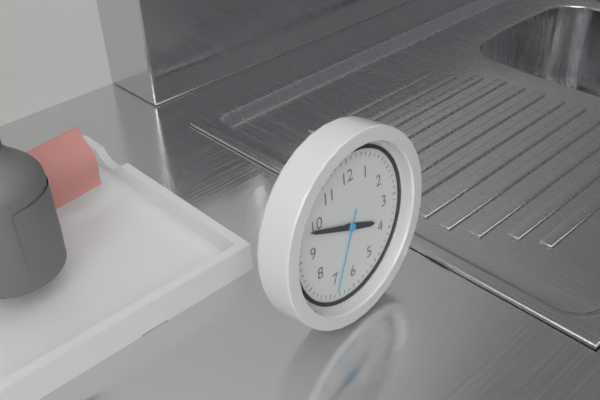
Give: 3:49:34
